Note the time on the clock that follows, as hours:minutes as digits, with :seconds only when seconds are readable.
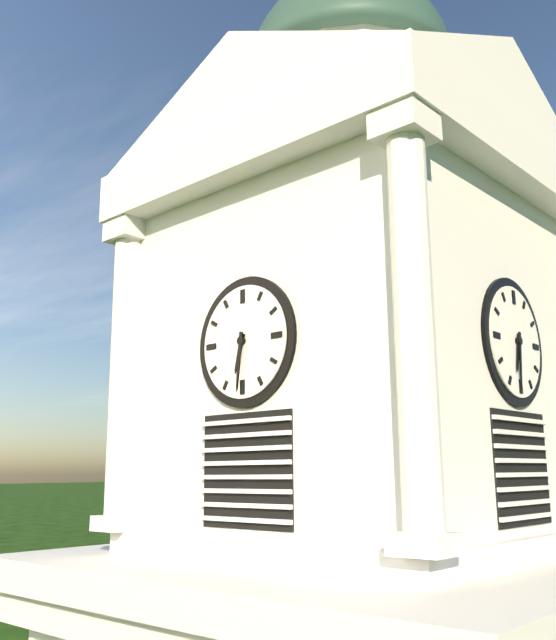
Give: 6:31
